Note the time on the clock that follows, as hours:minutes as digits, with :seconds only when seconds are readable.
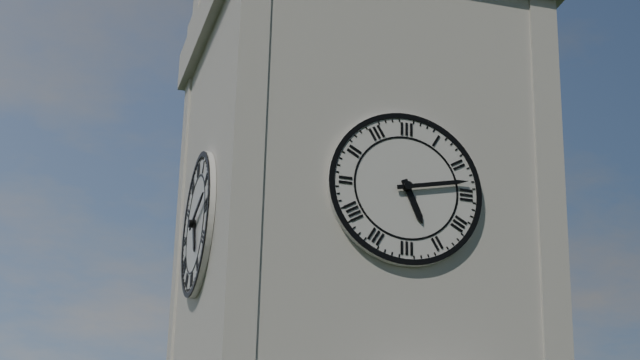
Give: 5:13
